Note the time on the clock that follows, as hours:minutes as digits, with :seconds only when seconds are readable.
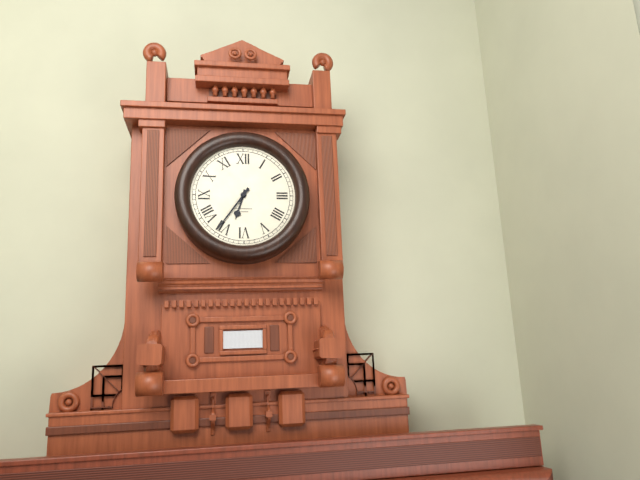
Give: 6:36
